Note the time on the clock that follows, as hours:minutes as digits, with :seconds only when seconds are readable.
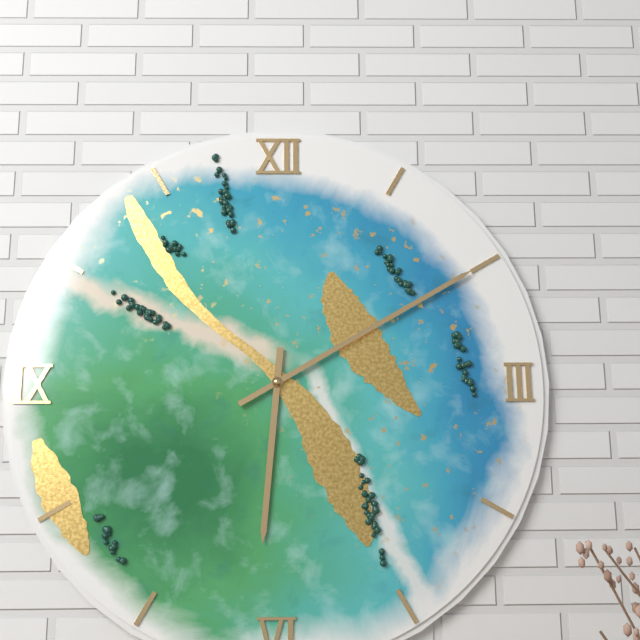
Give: 6:10
